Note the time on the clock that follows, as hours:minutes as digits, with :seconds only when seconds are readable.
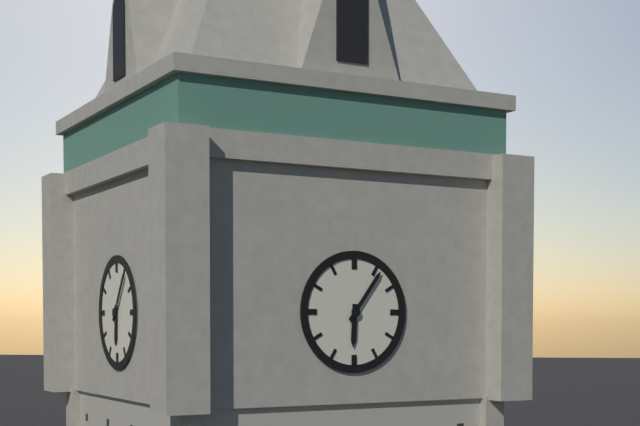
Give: 6:06
